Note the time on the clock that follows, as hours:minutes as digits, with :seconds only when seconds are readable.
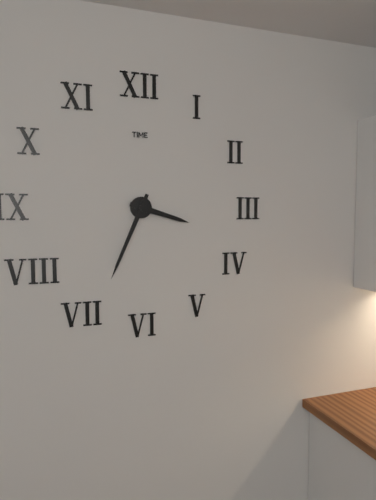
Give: 3:34
